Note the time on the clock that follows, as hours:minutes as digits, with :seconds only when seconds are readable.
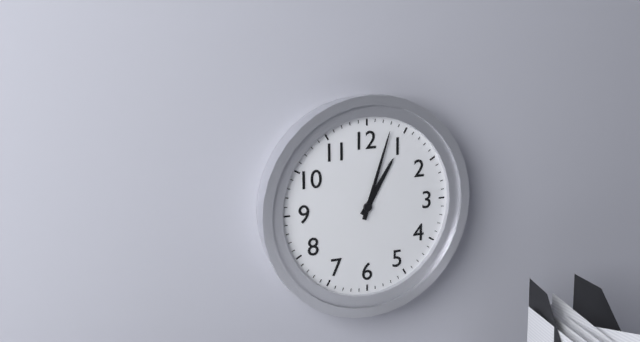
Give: 1:03
